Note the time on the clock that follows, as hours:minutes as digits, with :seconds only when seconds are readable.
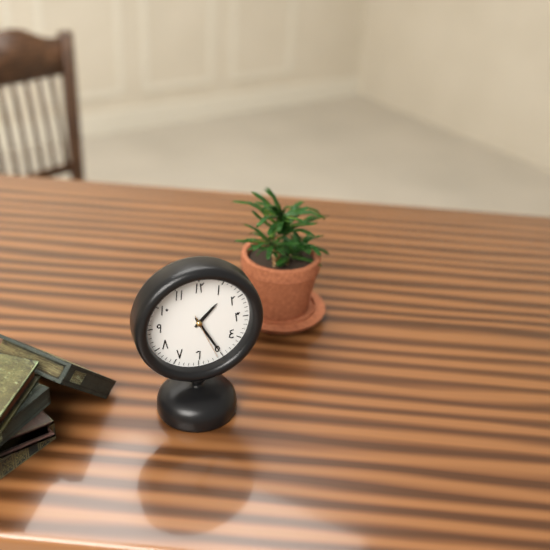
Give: 1:25
